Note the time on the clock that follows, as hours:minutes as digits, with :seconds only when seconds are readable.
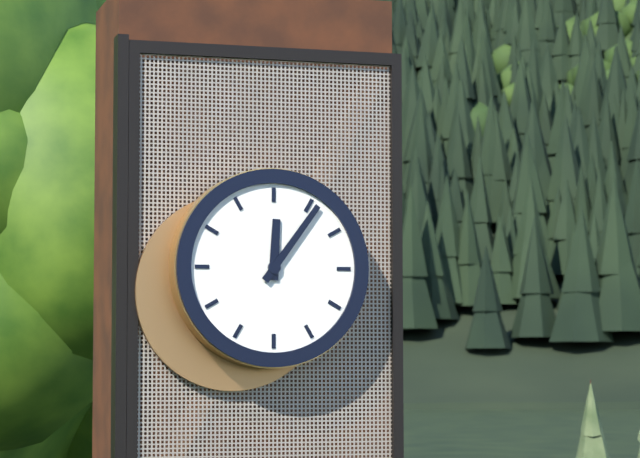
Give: 12:06
